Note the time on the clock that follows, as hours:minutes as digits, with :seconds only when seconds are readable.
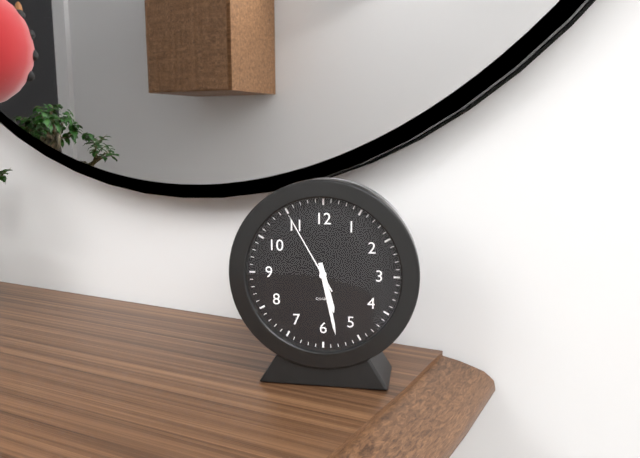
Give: 5:28:55
